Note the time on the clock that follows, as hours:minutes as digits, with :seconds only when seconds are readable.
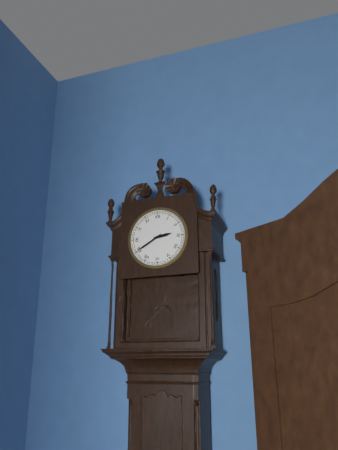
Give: 2:40
